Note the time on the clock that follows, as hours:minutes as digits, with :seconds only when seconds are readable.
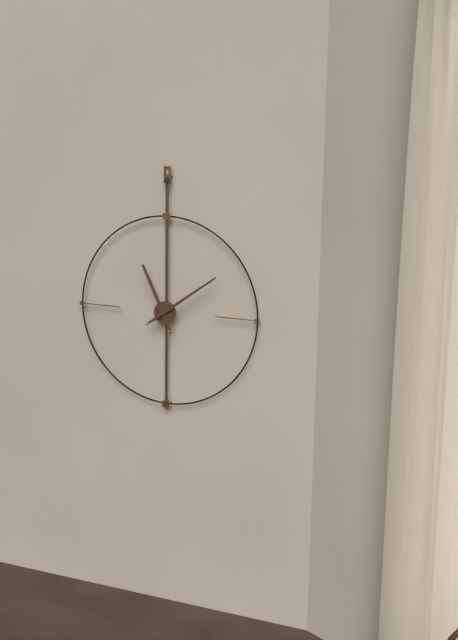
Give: 11:09
